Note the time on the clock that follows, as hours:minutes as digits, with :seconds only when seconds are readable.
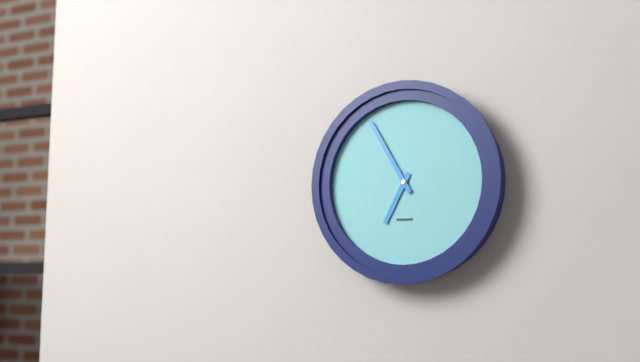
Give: 6:55
